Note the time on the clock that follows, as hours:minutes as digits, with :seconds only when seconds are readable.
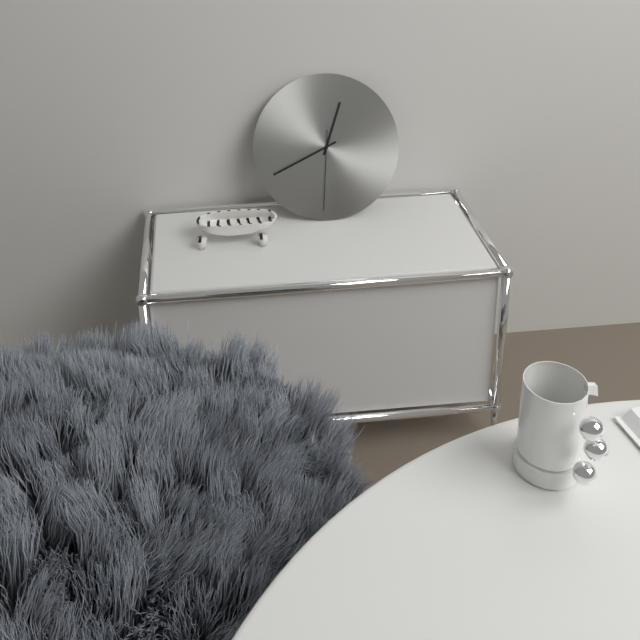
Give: 12:41:31
